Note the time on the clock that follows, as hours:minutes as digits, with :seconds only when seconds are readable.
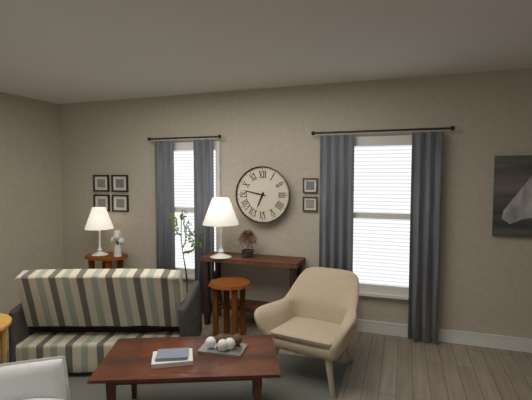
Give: 6:47
